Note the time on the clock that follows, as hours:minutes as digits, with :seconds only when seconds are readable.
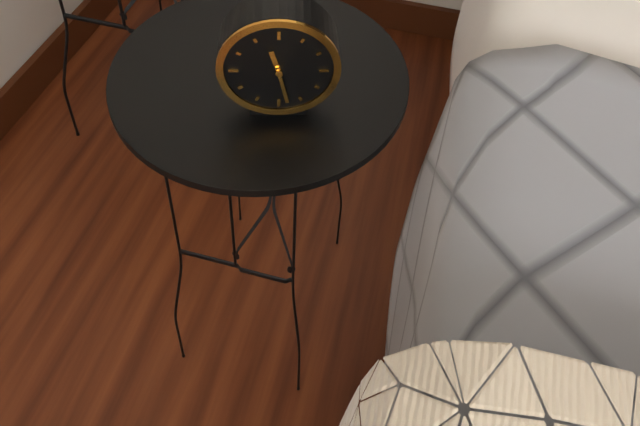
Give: 11:28
